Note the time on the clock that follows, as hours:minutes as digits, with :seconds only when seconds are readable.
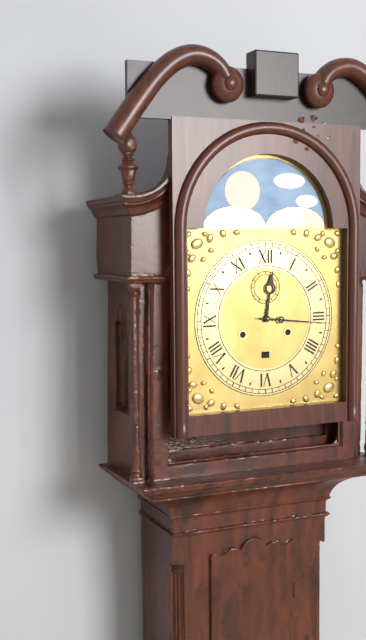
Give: 12:16
